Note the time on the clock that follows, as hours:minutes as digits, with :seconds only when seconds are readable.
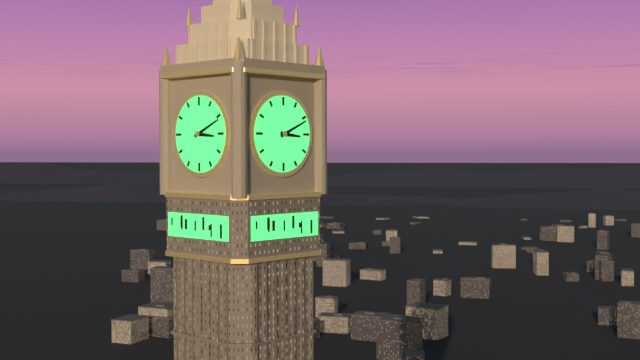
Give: 3:11
